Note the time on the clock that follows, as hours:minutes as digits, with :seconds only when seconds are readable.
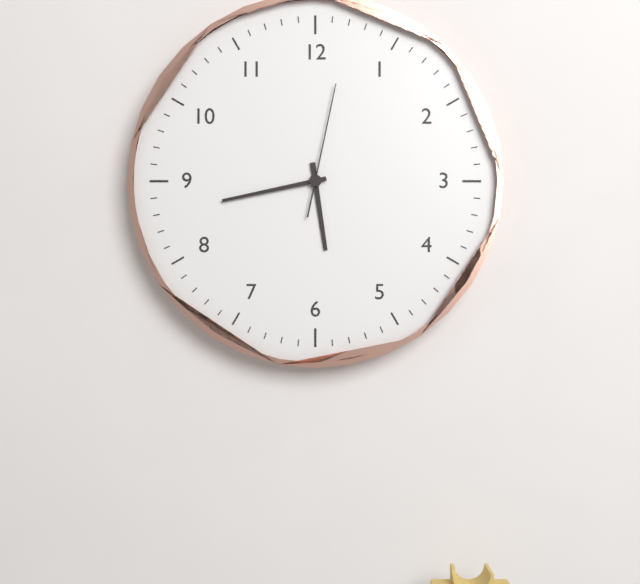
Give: 5:43:02
